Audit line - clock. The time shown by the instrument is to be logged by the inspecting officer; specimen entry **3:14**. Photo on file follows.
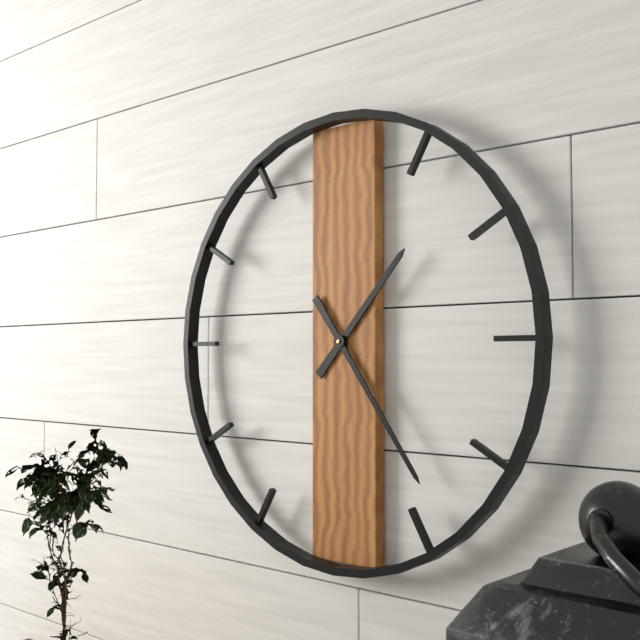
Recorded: **1:24**
